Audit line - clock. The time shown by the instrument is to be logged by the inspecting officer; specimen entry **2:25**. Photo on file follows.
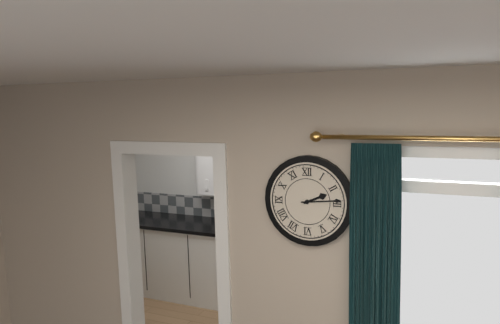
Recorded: **2:14**
